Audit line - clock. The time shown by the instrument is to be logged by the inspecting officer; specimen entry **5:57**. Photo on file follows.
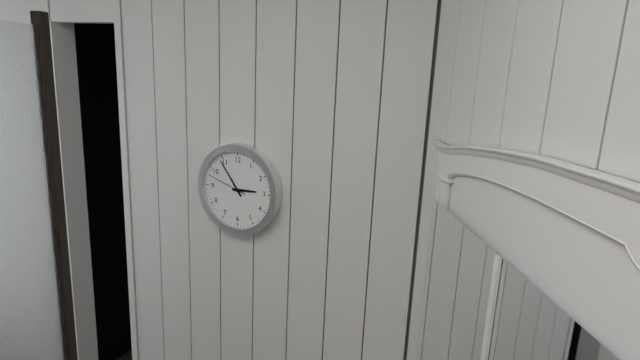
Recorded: **2:54**
